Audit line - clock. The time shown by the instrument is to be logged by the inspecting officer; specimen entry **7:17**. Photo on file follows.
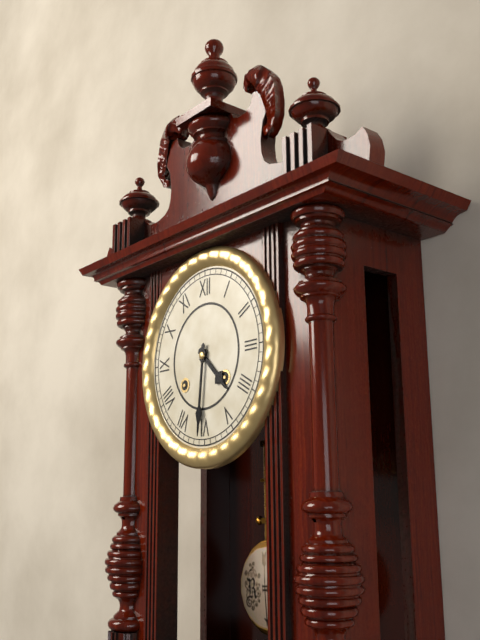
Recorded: **4:31**
